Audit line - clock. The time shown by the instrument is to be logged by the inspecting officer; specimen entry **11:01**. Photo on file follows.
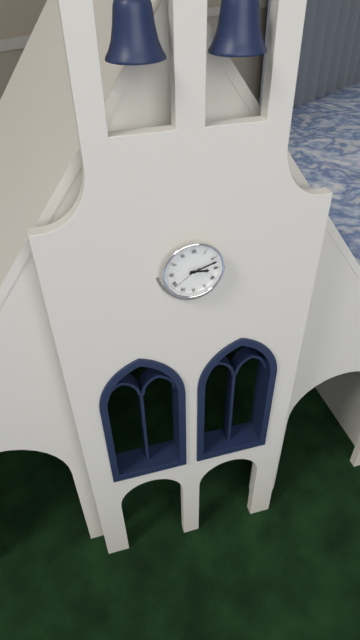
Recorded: **3:12**
